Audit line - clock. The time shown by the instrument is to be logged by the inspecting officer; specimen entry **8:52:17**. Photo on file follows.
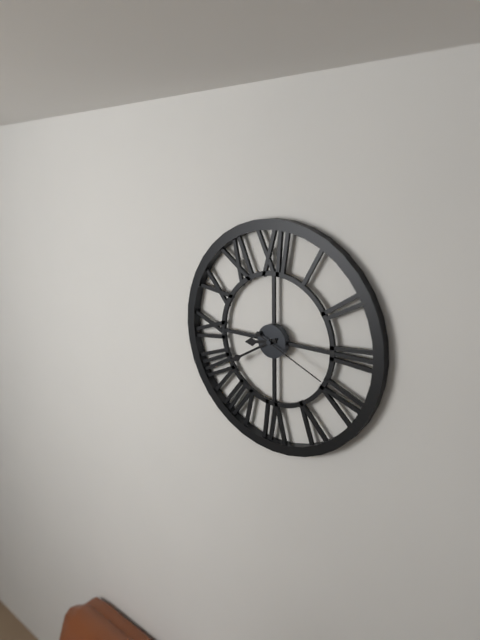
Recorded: **8:40:19**
